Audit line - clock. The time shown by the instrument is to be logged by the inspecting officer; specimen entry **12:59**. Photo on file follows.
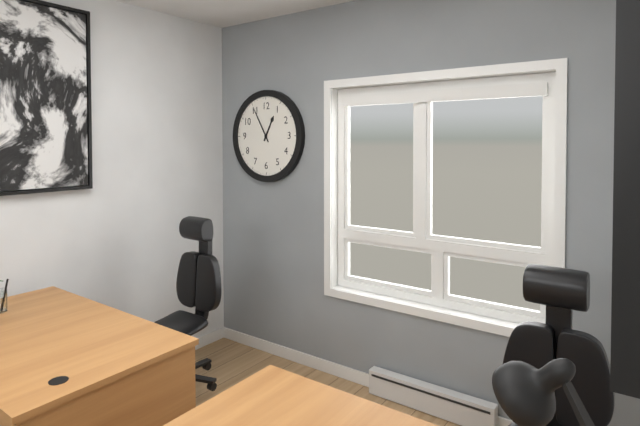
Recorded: **12:55**
